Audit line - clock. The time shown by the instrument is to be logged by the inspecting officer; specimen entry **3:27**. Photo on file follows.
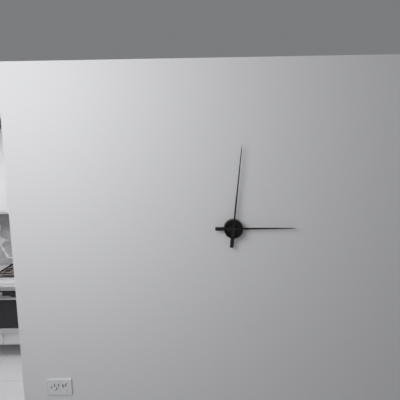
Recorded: **3:01**
